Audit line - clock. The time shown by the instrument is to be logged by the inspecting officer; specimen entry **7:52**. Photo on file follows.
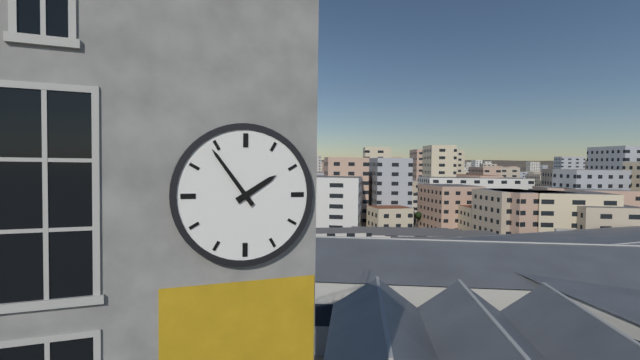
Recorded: **1:54**
